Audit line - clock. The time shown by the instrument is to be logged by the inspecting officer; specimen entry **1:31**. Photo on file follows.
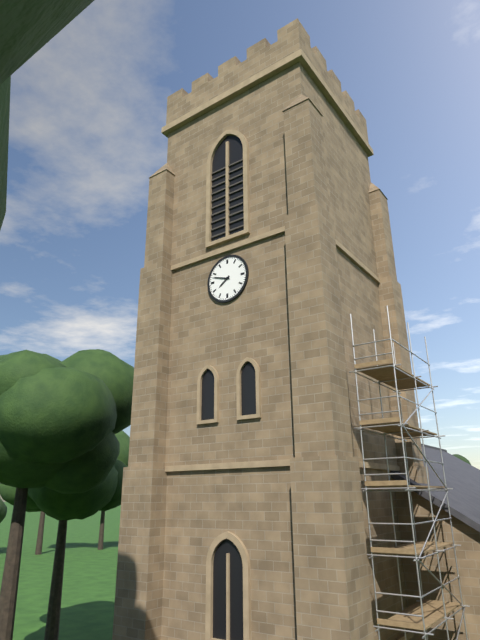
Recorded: **7:48**
